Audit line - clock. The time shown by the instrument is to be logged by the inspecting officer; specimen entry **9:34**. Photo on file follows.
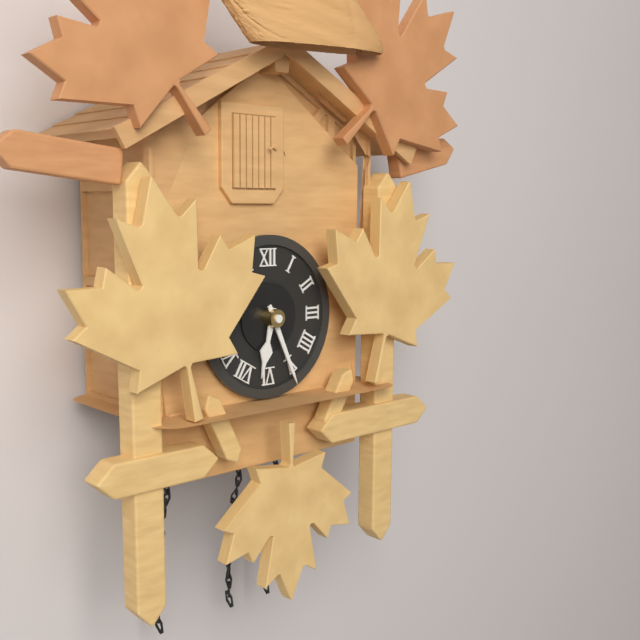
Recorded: **6:26**
